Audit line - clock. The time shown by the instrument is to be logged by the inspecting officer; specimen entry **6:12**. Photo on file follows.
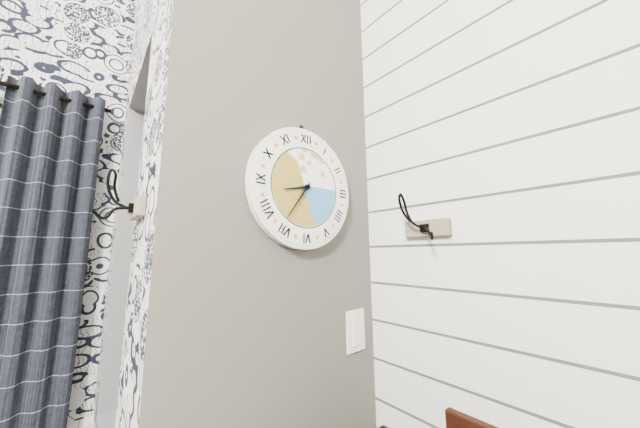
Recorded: **8:36**
